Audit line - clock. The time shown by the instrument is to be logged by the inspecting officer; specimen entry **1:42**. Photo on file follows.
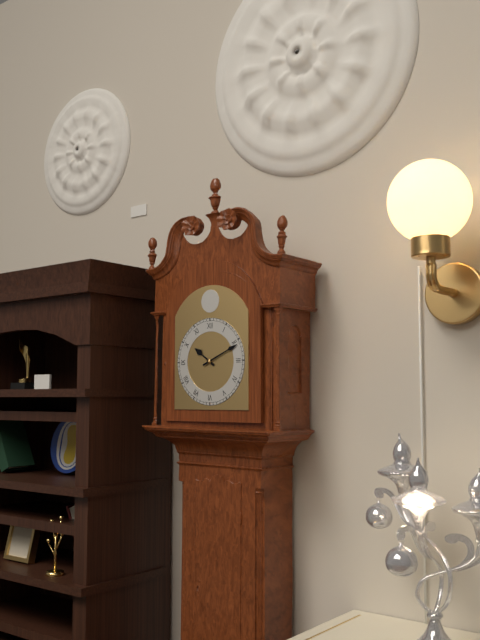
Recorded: **10:11**
